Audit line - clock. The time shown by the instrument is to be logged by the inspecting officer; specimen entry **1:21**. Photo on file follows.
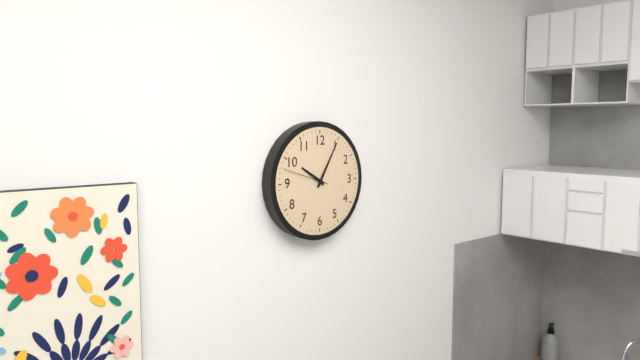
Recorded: **10:05**
